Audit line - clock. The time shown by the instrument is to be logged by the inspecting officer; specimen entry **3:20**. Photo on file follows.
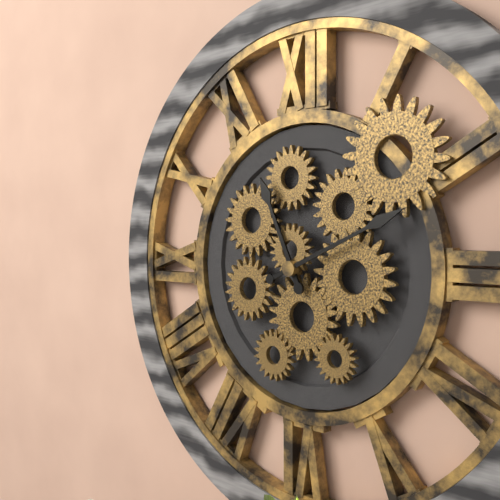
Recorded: **11:11**
